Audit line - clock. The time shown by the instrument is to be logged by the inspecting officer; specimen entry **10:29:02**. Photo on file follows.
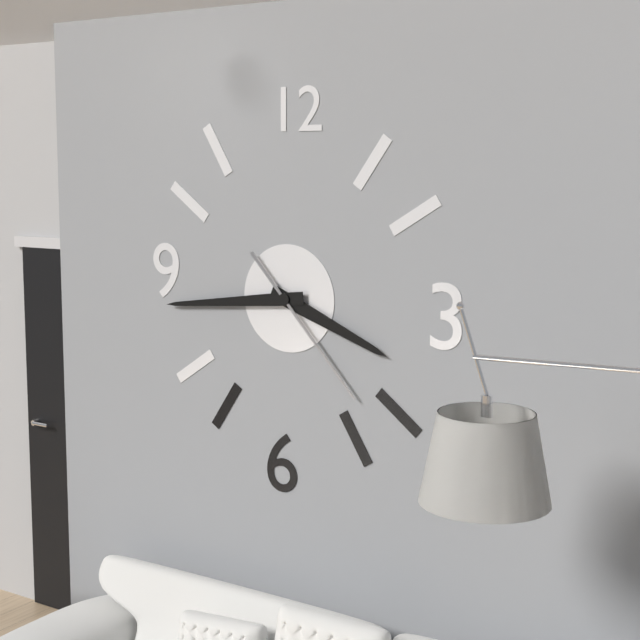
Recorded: **3:44:23**
